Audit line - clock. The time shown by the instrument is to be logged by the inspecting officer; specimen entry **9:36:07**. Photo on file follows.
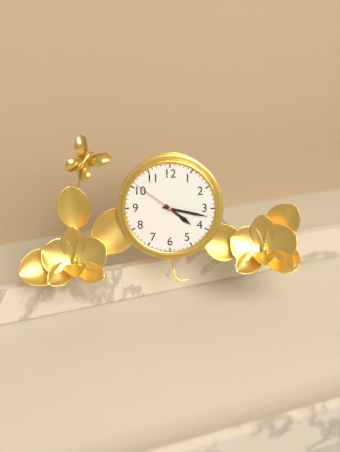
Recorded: **4:17:51**
